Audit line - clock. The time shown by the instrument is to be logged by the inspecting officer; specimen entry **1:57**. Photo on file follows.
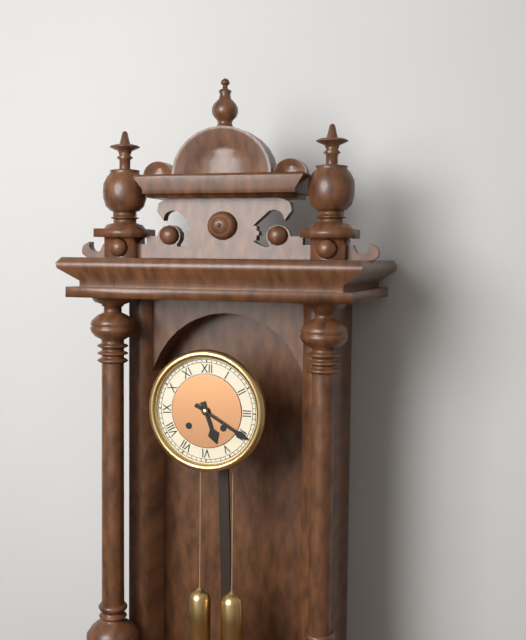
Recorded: **5:20**
